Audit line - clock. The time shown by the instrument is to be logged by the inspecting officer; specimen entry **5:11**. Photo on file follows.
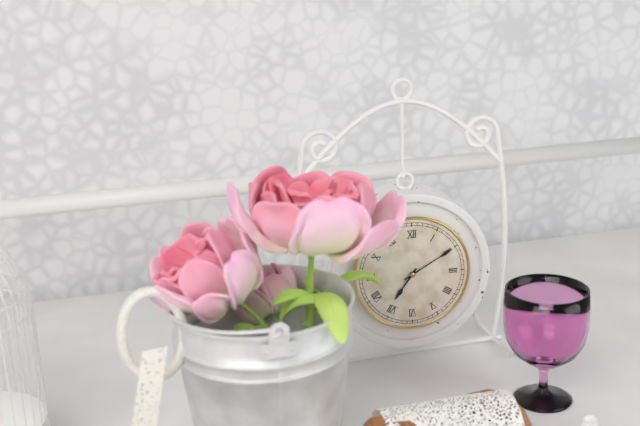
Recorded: **7:10**
